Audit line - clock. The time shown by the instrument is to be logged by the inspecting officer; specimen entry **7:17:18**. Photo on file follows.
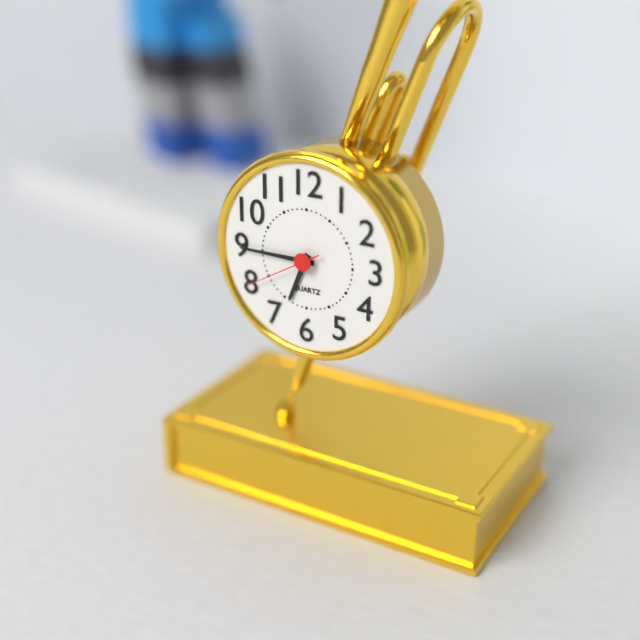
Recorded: **6:45:40**
